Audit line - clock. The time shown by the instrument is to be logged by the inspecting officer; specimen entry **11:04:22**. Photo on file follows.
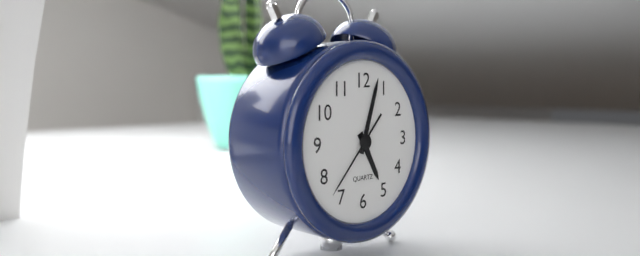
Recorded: **5:03:37**
